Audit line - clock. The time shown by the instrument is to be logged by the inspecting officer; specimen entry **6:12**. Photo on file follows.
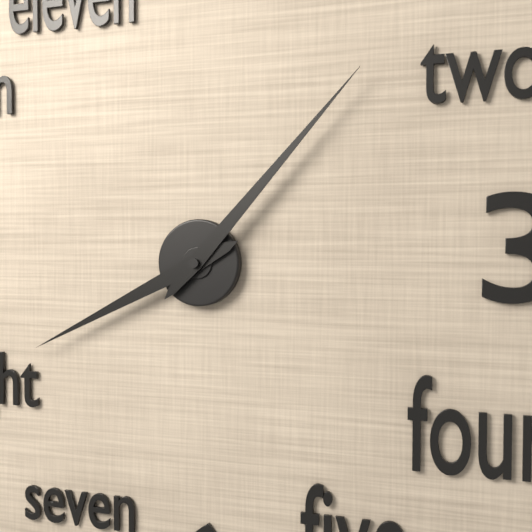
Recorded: **8:07**
